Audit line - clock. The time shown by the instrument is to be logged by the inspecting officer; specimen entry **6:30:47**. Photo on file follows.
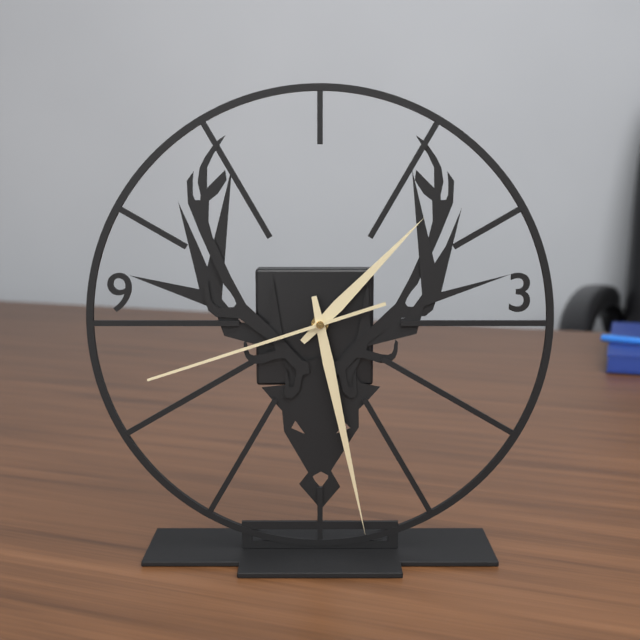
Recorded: **1:28:42**
